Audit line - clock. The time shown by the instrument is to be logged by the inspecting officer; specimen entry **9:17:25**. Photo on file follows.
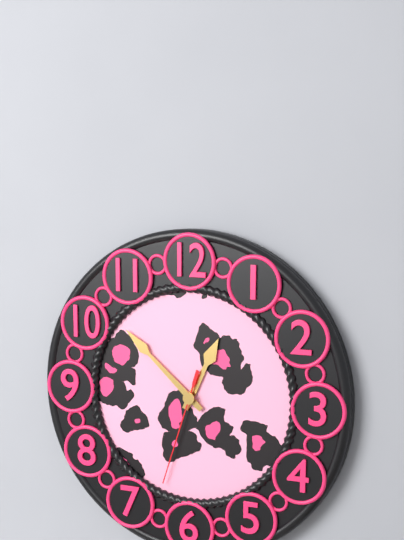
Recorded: **12:52:33**
